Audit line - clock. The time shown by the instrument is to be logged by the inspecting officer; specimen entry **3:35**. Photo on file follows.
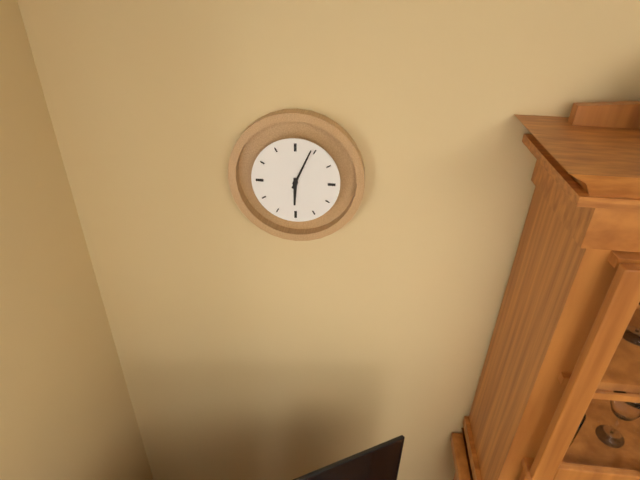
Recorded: **6:04**
